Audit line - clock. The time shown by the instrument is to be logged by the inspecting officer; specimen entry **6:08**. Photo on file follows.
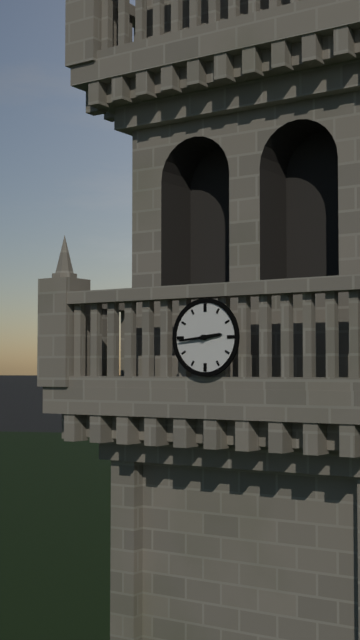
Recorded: **2:44**
